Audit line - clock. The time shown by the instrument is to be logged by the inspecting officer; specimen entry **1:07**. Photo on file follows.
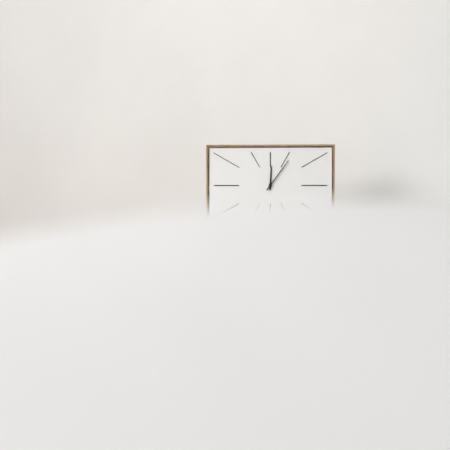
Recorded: **12:06**
